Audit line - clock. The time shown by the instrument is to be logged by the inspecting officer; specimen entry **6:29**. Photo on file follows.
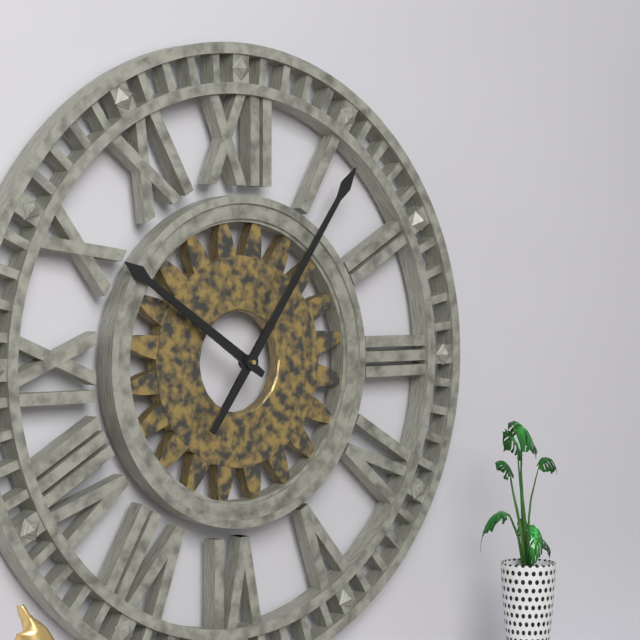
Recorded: **10:06**
